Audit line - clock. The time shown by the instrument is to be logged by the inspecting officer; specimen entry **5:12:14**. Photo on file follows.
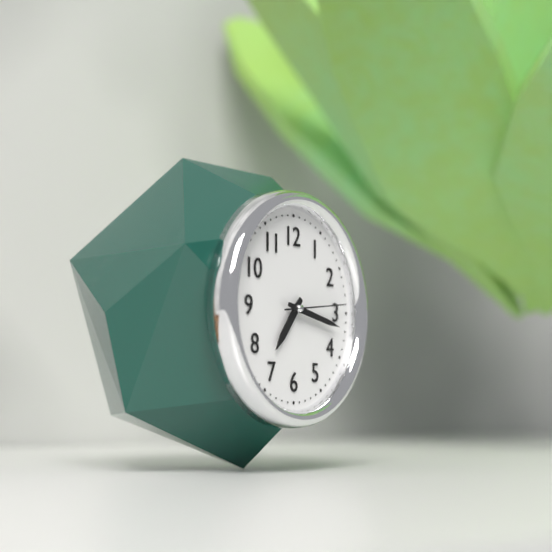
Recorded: **7:17:14**
